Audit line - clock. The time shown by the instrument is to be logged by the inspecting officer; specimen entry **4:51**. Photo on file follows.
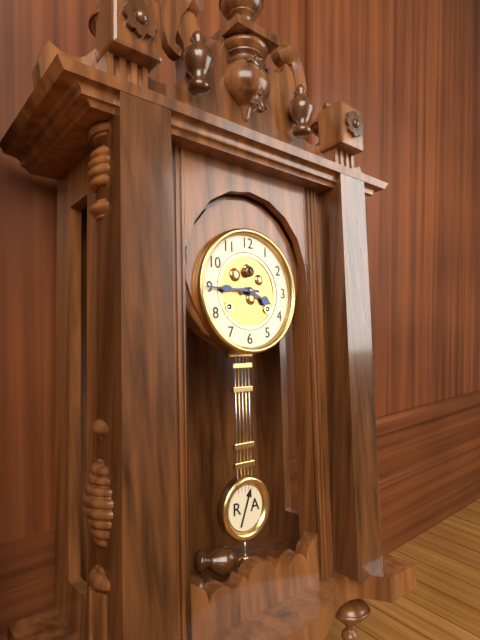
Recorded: **3:45**
